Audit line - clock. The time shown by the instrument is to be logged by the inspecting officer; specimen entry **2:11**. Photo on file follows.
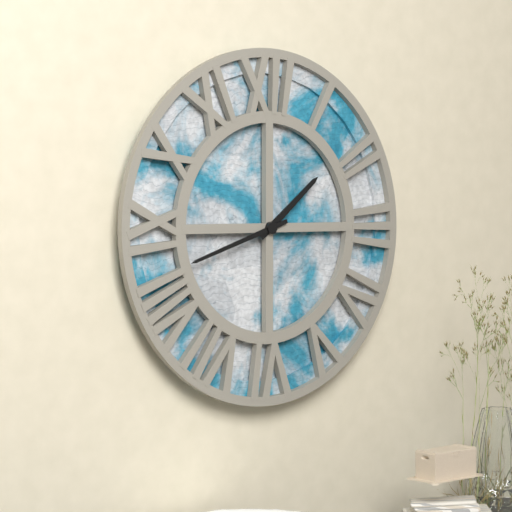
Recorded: **1:42**
